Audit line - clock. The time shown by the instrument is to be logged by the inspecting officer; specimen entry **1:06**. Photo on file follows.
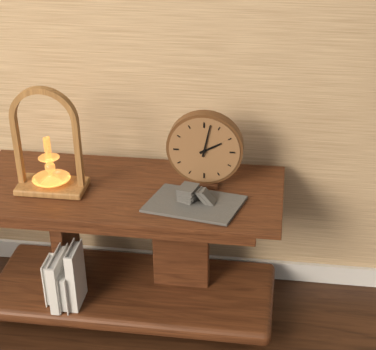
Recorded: **2:02**
